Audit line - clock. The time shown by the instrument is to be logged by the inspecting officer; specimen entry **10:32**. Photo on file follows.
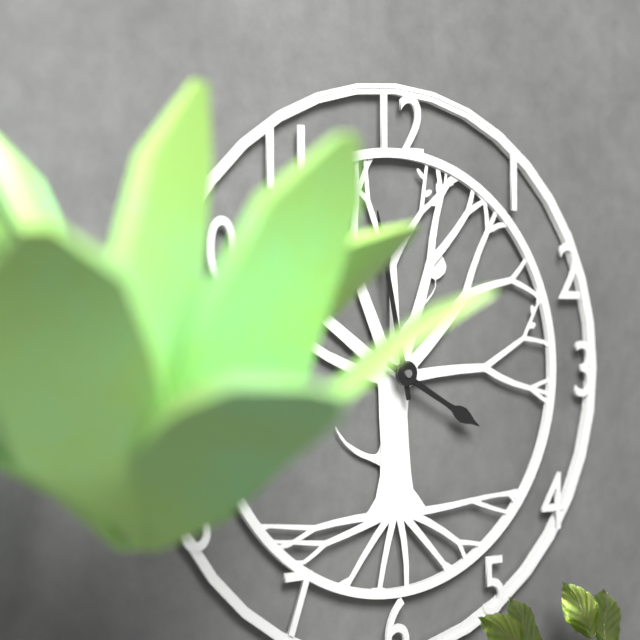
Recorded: **3:58**
